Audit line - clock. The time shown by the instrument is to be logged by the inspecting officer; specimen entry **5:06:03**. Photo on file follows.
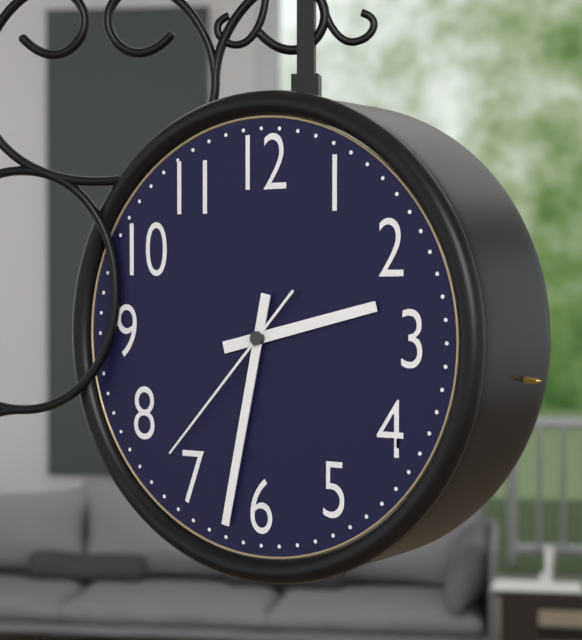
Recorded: **2:32:37**
